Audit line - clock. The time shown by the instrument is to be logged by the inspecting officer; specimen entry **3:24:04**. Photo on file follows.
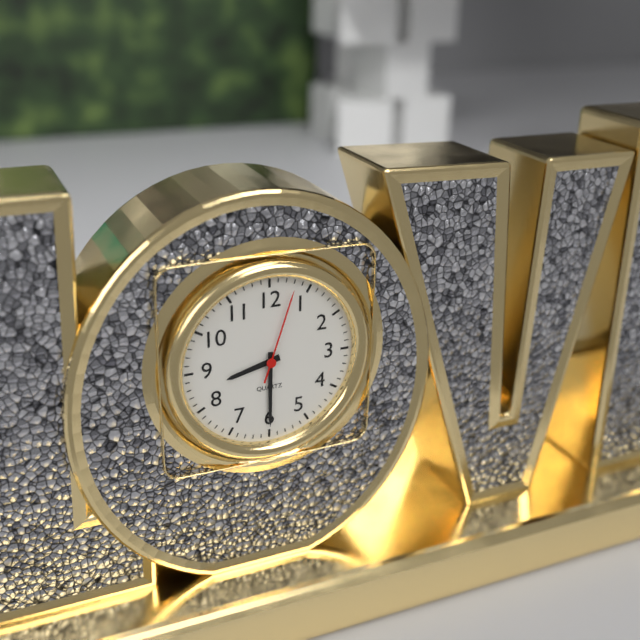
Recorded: **8:30:03**
